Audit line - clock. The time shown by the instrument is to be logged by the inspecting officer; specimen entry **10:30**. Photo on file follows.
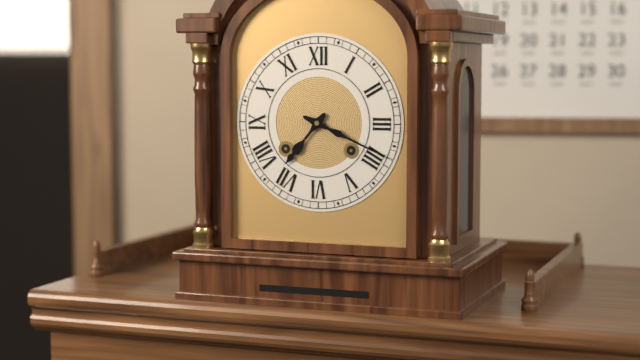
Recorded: **7:19**
